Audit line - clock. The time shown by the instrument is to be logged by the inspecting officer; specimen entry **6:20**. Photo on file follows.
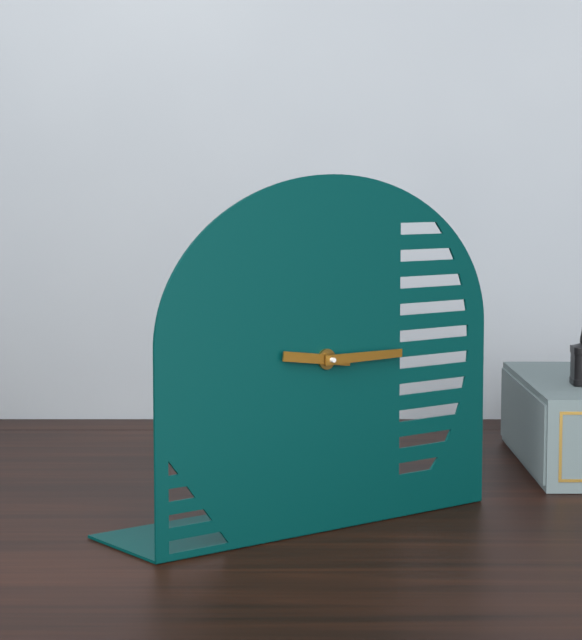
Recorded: **9:15**
